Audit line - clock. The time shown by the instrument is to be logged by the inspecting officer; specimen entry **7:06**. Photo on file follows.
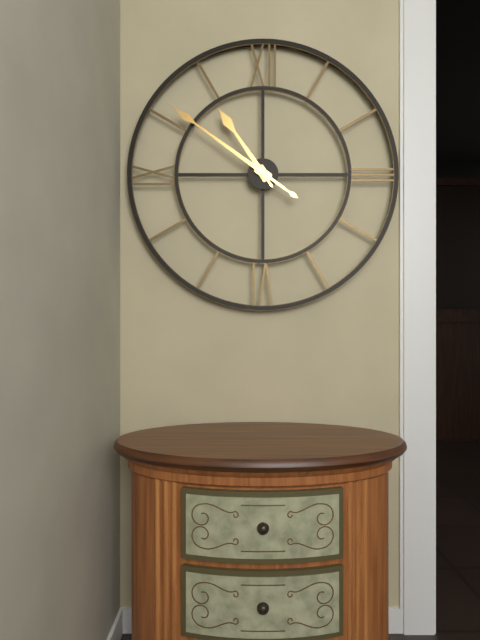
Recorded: **10:51**
